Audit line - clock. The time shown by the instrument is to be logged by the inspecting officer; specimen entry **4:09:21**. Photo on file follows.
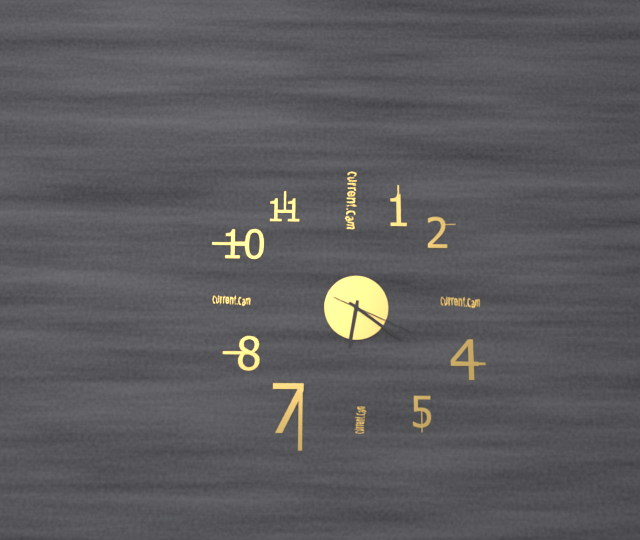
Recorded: **6:21:19**
